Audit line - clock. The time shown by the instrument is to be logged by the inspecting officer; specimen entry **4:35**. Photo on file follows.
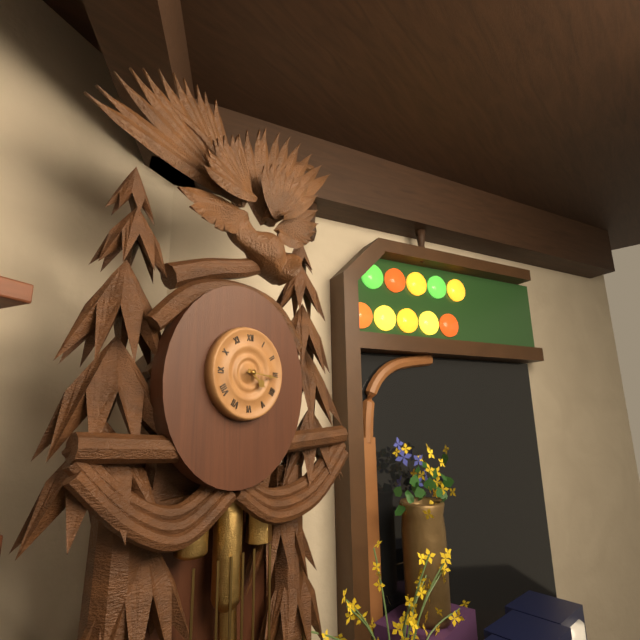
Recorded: **4:16**
